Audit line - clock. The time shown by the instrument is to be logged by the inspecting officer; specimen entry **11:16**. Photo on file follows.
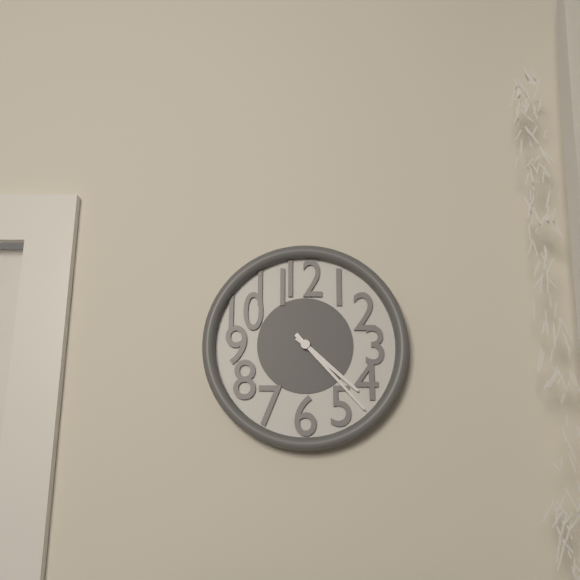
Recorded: **4:23**
